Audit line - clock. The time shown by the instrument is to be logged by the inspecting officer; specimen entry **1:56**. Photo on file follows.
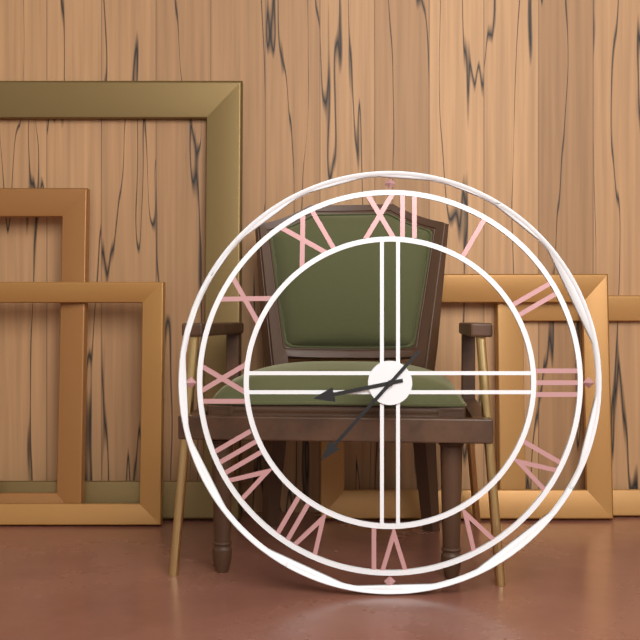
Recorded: **8:37**
